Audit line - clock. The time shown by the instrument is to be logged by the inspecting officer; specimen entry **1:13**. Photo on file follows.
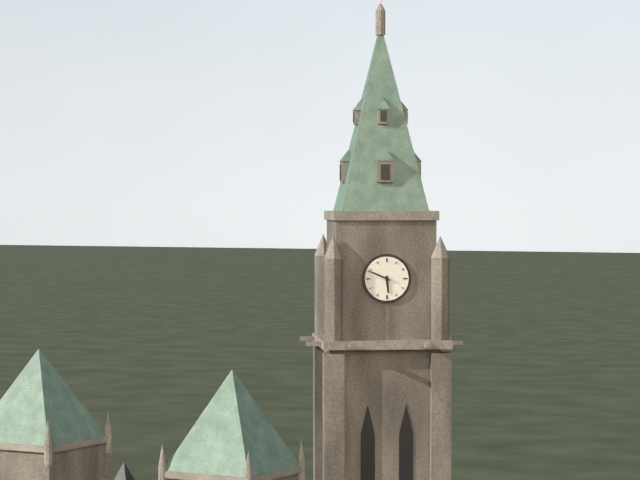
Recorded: **5:49**
